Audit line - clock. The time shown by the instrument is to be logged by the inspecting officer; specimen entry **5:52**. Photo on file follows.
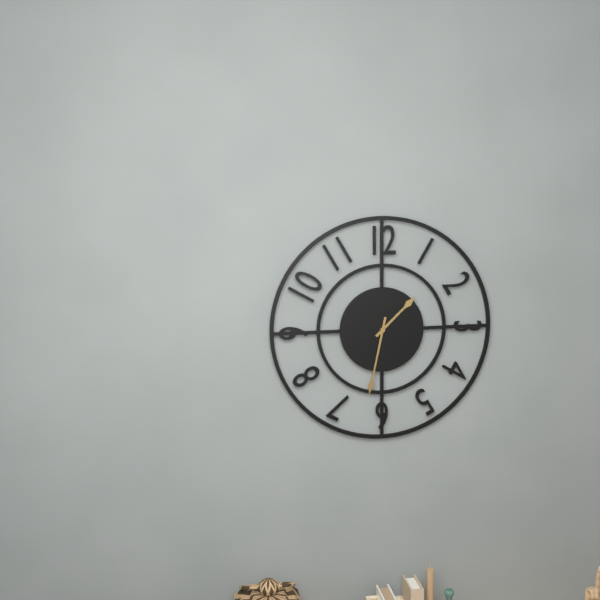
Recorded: **1:32**
